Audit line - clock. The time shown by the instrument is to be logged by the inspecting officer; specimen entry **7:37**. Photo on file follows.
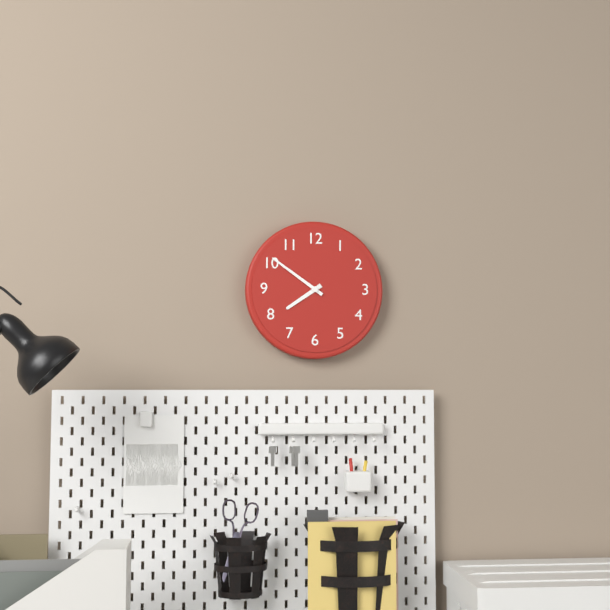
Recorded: **7:51**
